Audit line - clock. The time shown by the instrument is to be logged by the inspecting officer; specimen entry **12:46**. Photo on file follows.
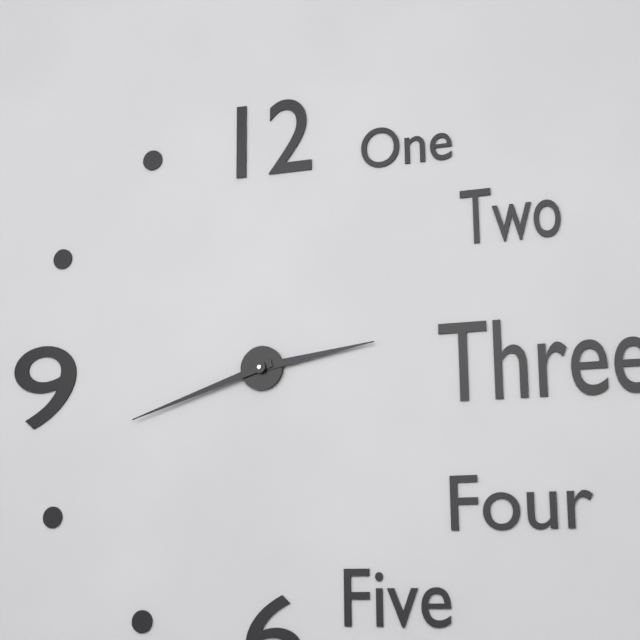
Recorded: **2:42**
